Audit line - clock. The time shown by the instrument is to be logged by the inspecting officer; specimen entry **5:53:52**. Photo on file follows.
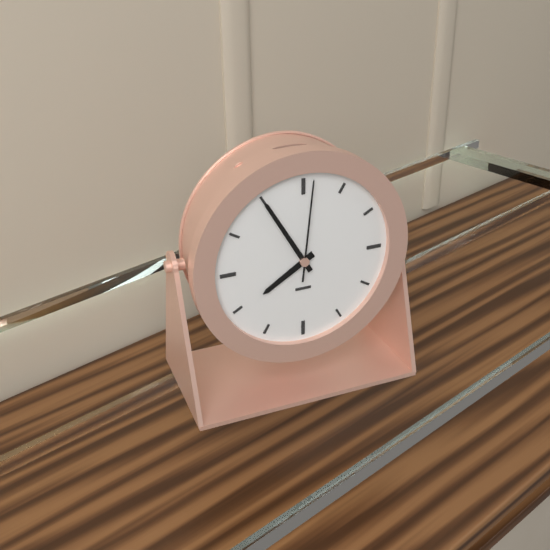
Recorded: **7:55:01**
